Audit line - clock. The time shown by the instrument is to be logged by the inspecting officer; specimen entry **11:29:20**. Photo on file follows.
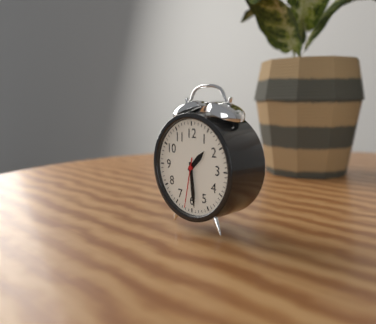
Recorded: **1:29:32**
